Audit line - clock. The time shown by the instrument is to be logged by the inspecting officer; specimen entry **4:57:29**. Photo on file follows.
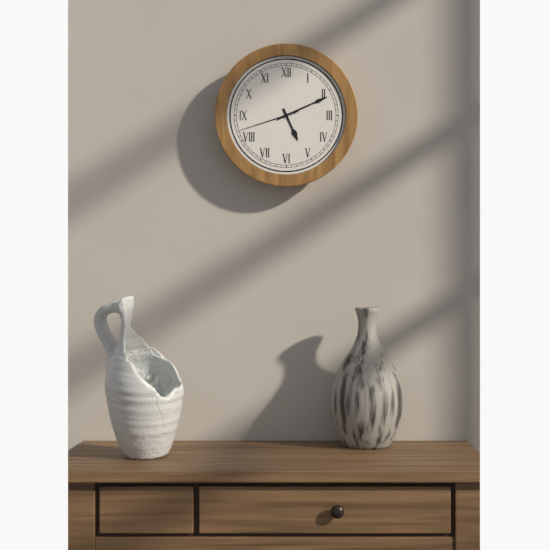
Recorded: **5:11:42**
